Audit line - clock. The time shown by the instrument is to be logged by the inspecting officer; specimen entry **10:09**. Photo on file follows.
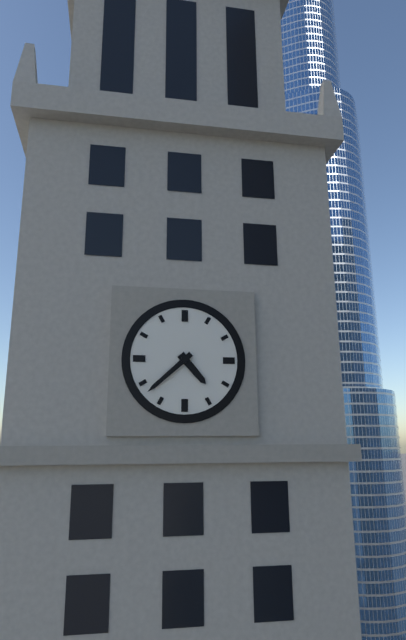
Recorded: **4:38**
